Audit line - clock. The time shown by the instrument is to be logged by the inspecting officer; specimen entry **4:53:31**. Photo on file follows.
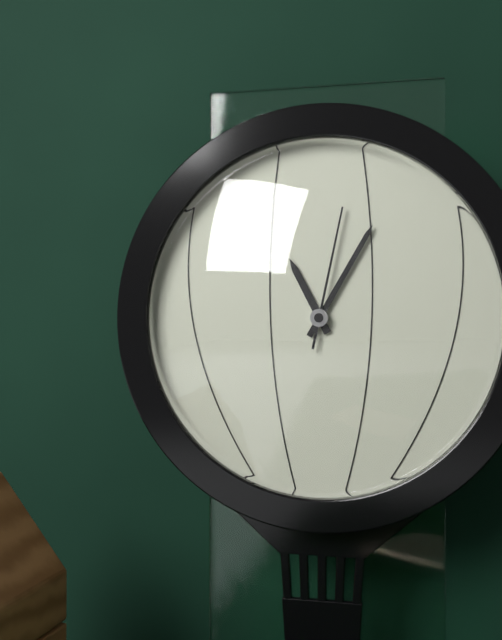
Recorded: **11:05:02**
